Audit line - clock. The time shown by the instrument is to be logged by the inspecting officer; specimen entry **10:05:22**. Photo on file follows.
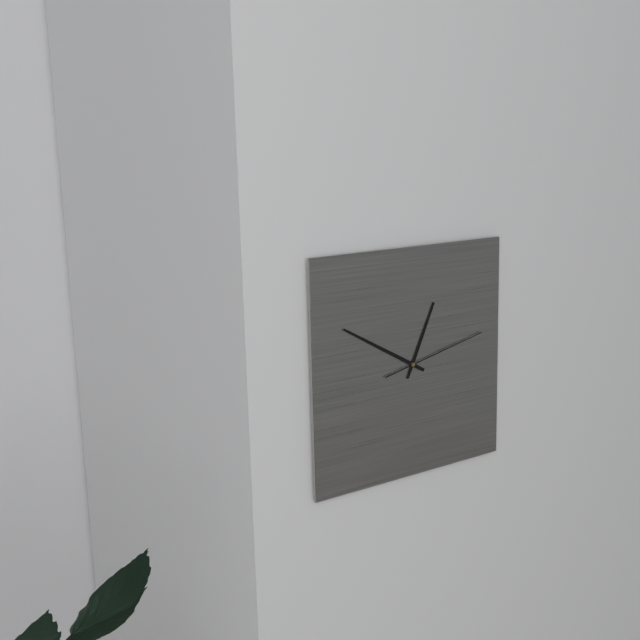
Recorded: **12:50:13**
